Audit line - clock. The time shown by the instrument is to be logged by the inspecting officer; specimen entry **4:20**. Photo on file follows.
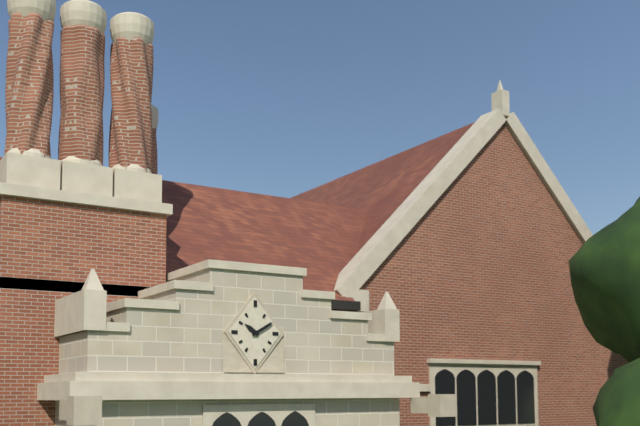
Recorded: **10:10**
